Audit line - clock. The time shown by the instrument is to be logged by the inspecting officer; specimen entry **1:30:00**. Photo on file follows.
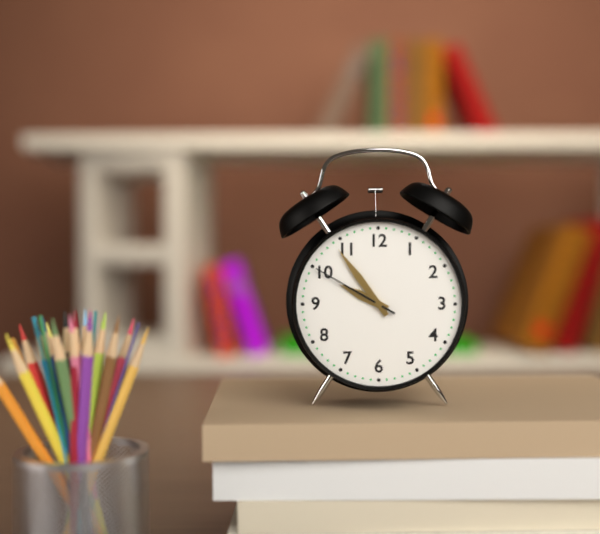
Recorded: **9:54:50**
